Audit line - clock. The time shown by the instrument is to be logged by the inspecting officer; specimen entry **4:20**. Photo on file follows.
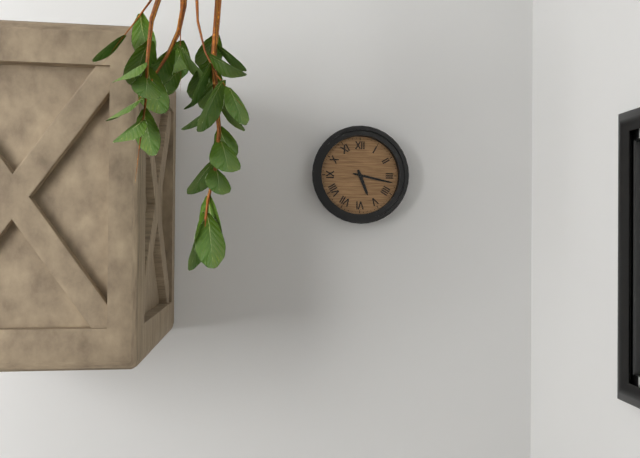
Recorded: **5:17**
